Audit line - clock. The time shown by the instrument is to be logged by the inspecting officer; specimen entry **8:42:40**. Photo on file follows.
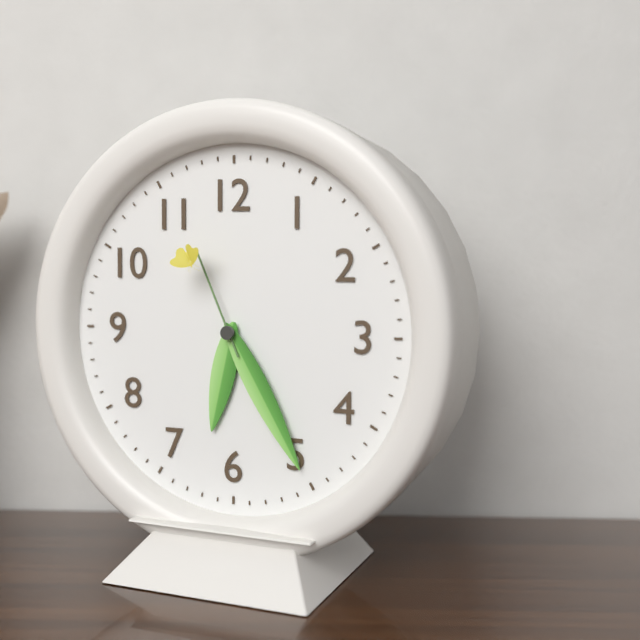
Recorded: **6:25:56**
